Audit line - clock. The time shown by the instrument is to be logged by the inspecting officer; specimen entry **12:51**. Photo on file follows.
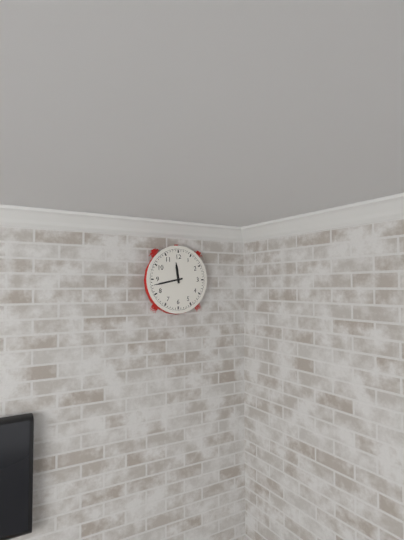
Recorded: **11:43**
